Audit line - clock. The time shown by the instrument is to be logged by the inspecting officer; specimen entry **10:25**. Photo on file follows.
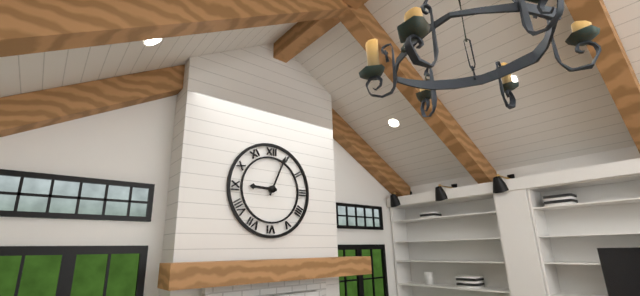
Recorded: **9:04**
